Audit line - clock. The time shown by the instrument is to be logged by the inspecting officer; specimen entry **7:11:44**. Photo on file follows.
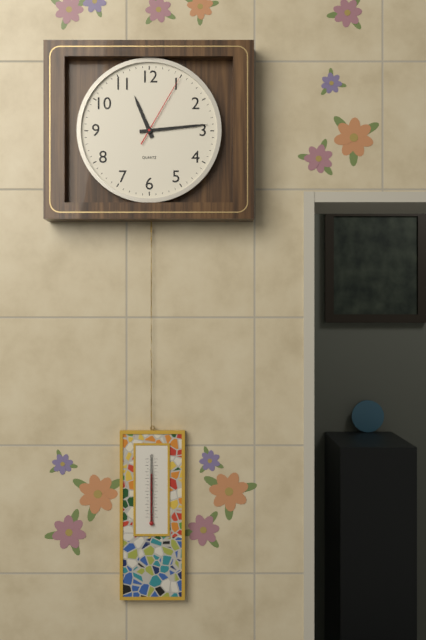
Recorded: **11:14:05**
